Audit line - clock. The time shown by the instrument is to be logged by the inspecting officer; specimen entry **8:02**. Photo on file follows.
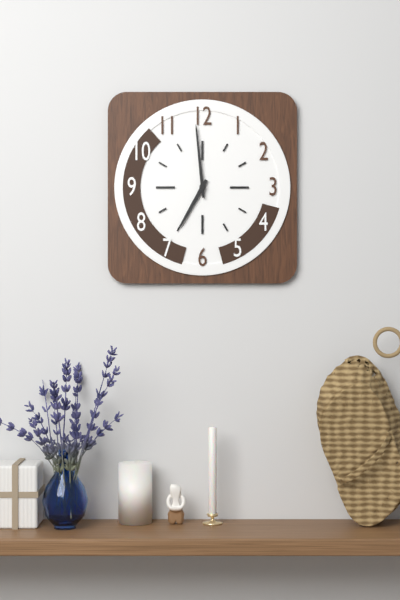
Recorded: **6:59**
